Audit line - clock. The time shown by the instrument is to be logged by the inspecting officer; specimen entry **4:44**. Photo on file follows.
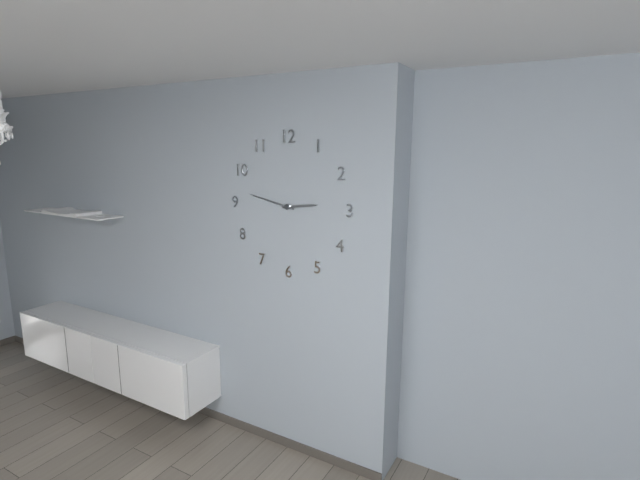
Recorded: **2:47**
